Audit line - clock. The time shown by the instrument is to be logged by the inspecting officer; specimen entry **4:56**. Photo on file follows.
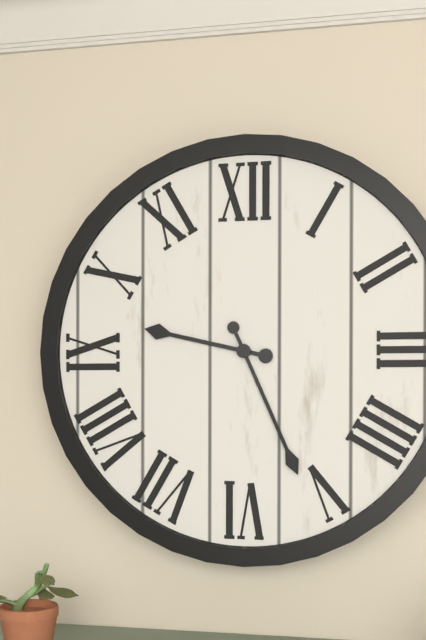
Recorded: **9:26**
